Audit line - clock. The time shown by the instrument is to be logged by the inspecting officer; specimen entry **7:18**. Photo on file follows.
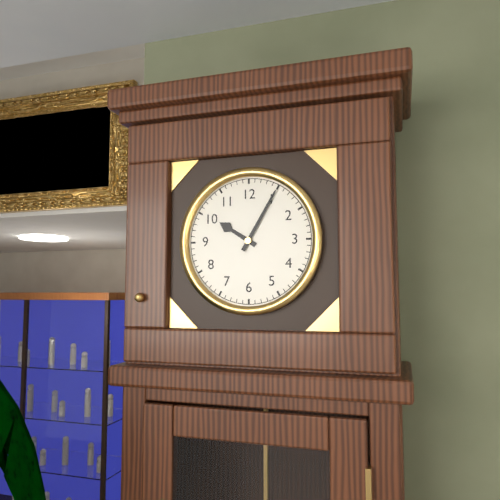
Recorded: **10:05**
